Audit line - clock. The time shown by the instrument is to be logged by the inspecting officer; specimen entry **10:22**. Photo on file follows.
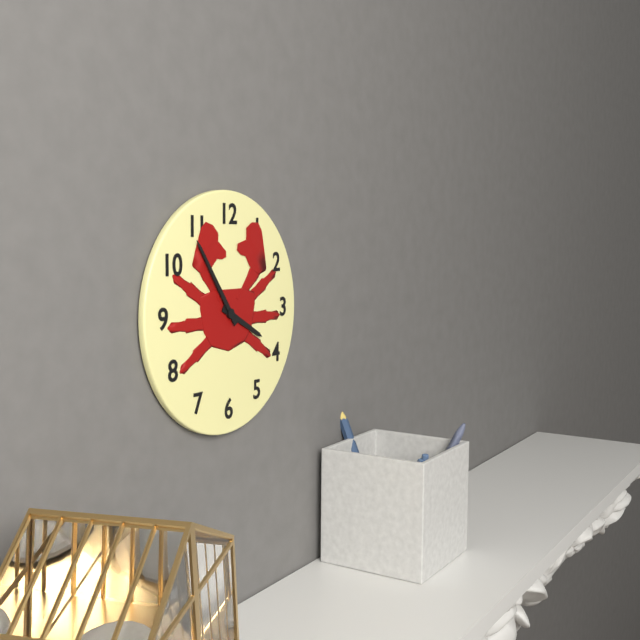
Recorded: **3:54**
